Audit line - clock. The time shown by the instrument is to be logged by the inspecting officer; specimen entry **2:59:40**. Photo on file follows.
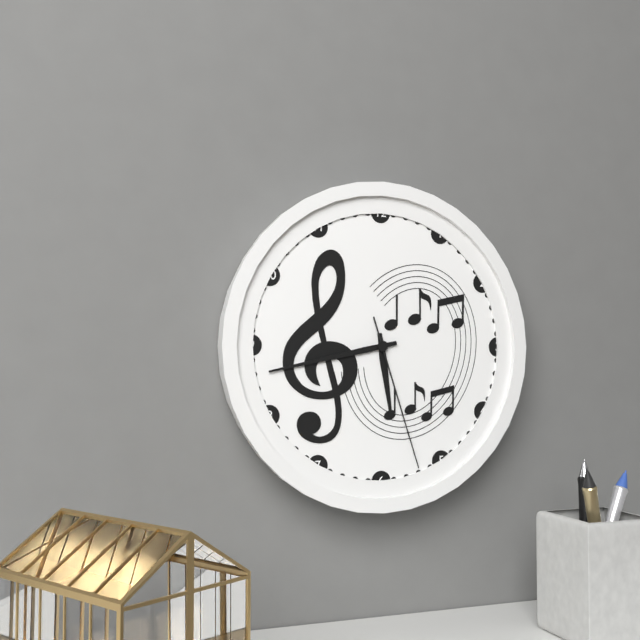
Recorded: **5:43:27**
